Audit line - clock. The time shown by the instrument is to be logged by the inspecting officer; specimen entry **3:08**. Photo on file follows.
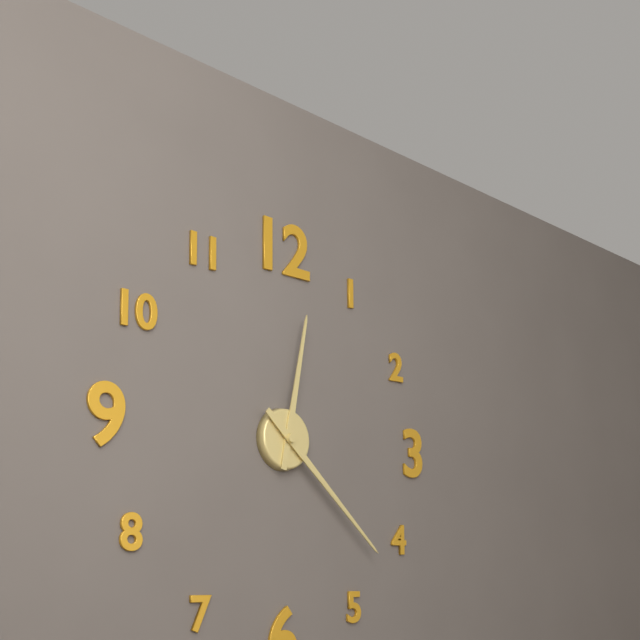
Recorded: **12:22**
